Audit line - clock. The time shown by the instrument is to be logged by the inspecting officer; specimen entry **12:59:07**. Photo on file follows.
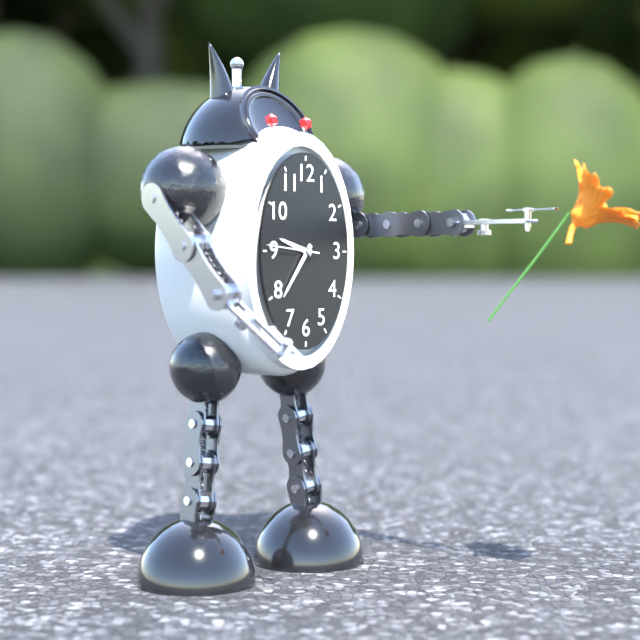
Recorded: **9:36:46**
